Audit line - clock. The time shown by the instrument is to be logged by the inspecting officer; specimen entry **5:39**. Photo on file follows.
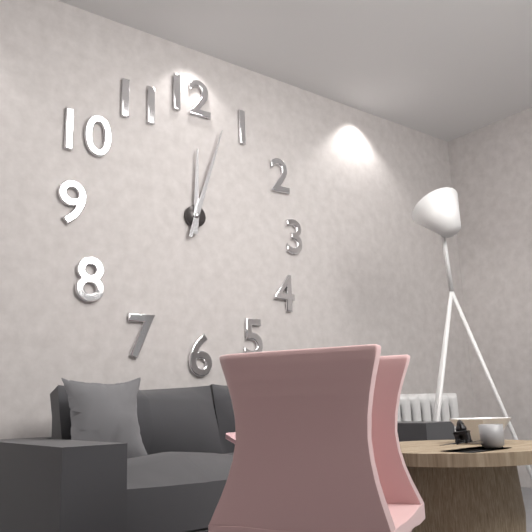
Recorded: **12:03**
